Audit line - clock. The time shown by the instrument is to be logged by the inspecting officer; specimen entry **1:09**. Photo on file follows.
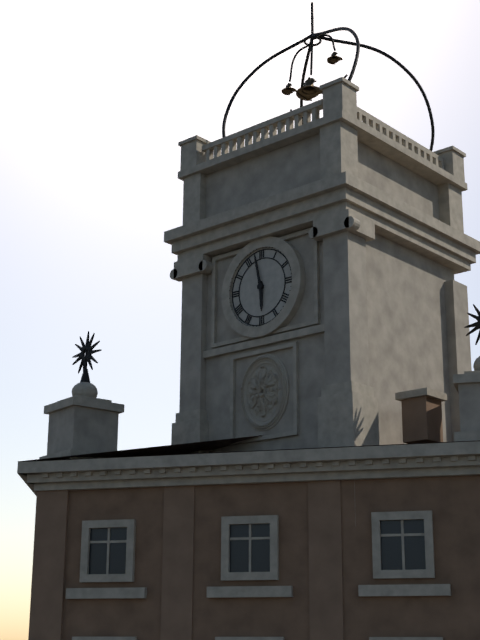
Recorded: **5:58**
